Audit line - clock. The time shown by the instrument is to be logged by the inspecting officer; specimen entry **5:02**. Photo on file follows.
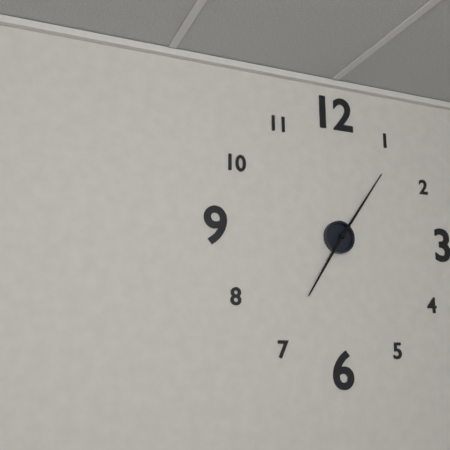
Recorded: **7:06**
